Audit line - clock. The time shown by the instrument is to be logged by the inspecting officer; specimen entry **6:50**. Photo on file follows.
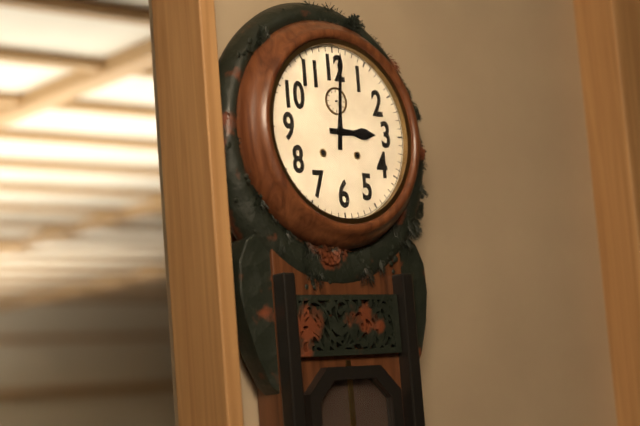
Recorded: **3:01**
